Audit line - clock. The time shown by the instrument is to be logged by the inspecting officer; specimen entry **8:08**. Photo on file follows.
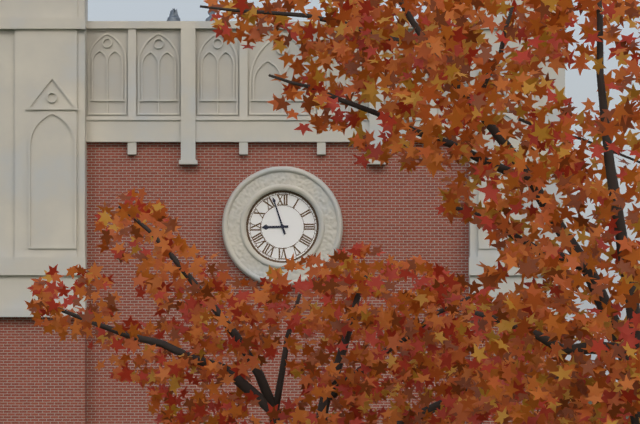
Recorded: **8:57**
